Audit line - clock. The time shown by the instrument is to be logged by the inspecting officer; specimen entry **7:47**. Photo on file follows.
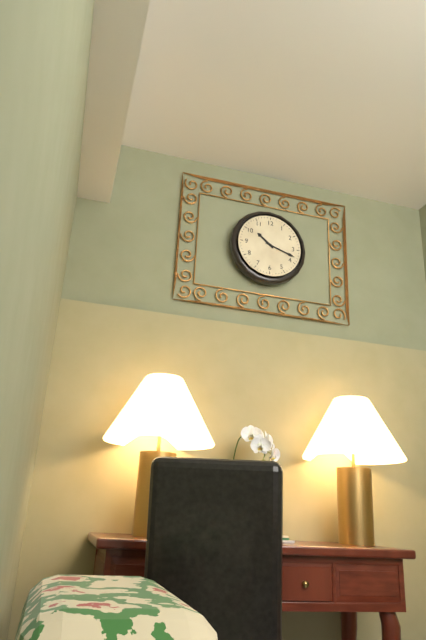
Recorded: **10:18**
